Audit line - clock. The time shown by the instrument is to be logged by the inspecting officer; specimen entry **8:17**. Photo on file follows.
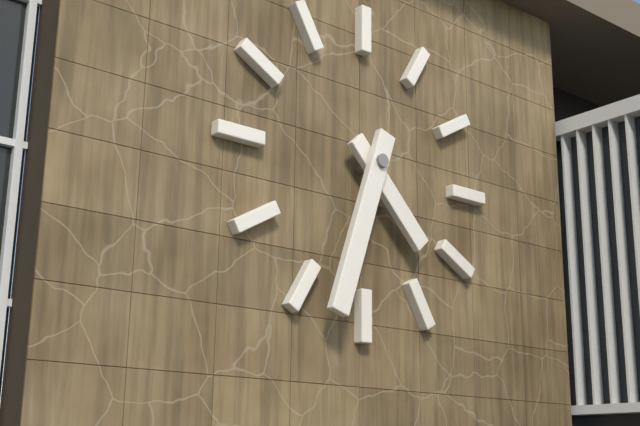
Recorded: **4:33**
